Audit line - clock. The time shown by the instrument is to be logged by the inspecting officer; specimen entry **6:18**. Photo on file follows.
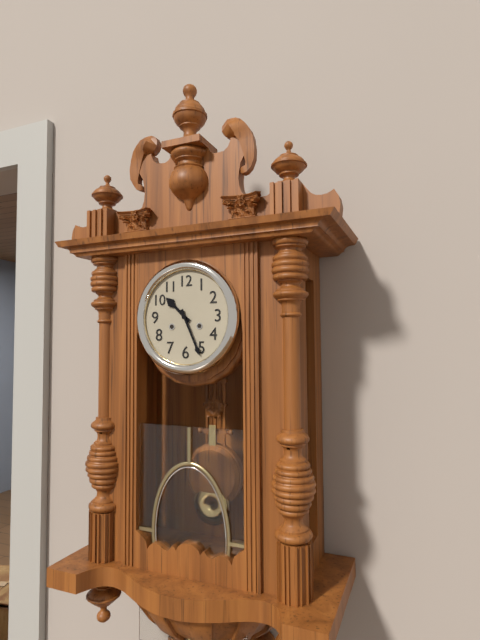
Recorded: **10:26**
